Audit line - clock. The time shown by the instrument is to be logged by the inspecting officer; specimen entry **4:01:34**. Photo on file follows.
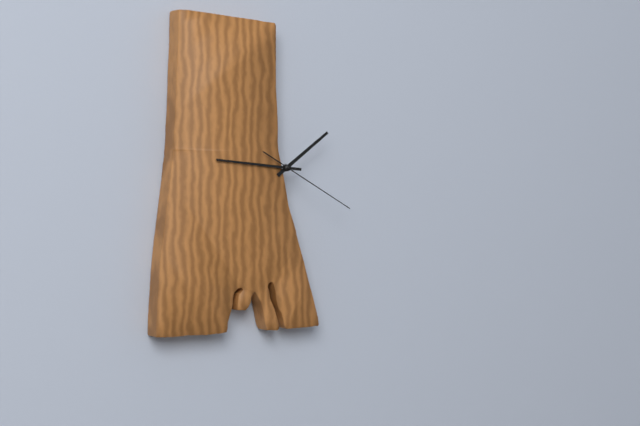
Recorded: **1:46:20**
